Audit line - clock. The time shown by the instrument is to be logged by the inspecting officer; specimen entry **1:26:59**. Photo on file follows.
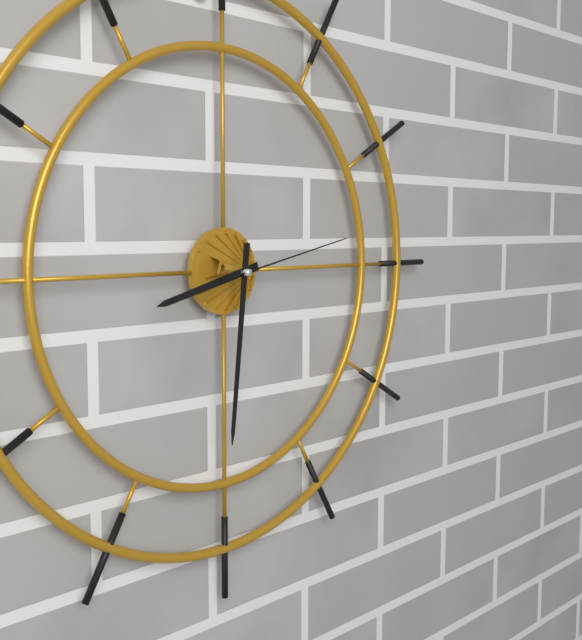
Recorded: **8:31:13**
